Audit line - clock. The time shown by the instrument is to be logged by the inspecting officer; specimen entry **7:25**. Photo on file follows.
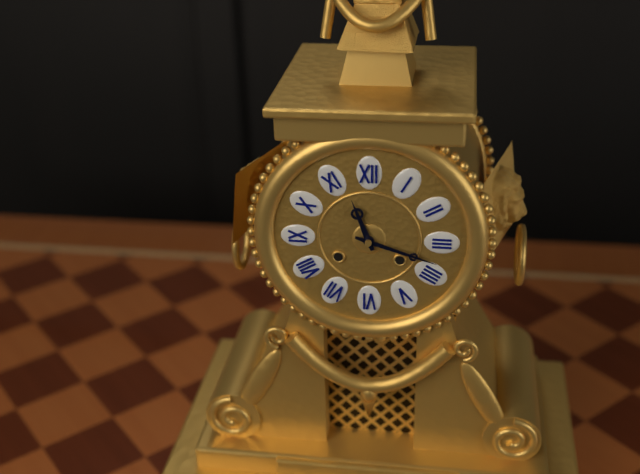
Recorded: **11:18**
